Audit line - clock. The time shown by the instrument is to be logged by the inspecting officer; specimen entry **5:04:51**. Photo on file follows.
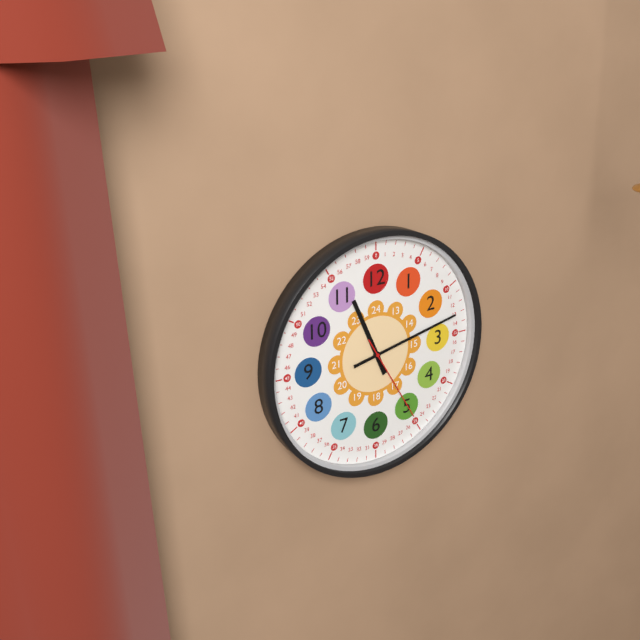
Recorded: **11:13:25**
